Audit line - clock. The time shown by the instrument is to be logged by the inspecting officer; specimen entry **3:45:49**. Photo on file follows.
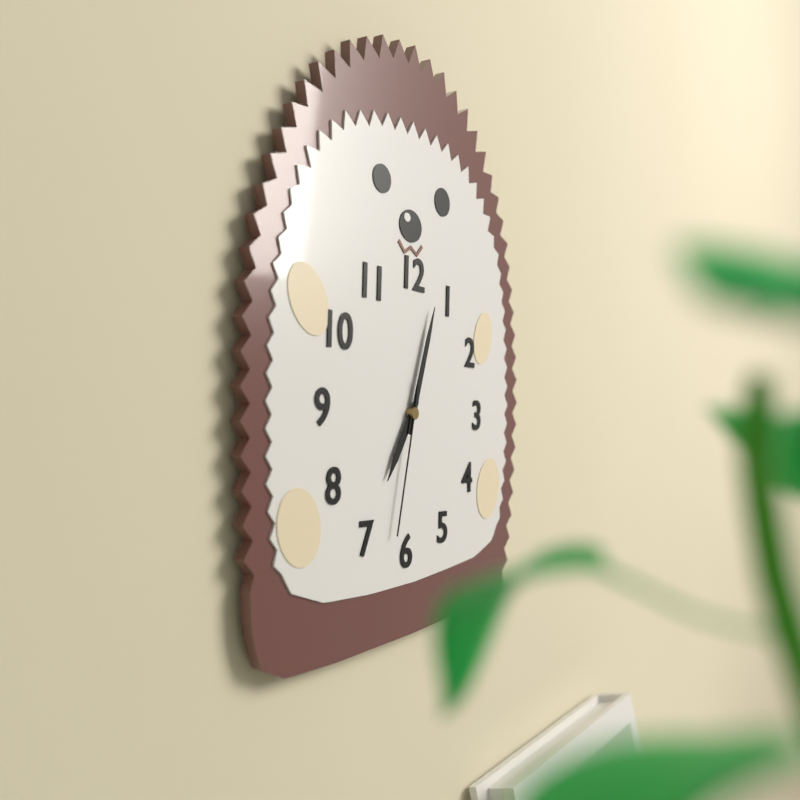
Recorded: **7:03:32**
